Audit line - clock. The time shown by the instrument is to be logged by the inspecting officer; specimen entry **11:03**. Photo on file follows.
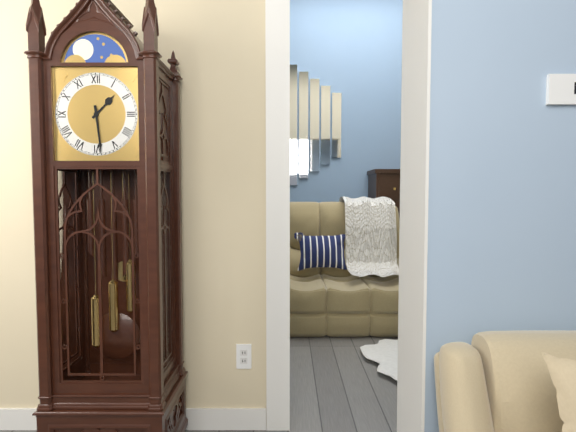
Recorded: **1:29**
